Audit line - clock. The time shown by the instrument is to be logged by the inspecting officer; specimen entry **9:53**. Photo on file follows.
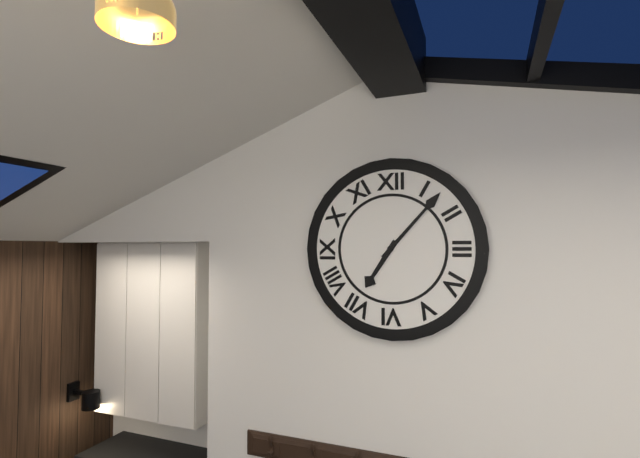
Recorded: **7:07**
